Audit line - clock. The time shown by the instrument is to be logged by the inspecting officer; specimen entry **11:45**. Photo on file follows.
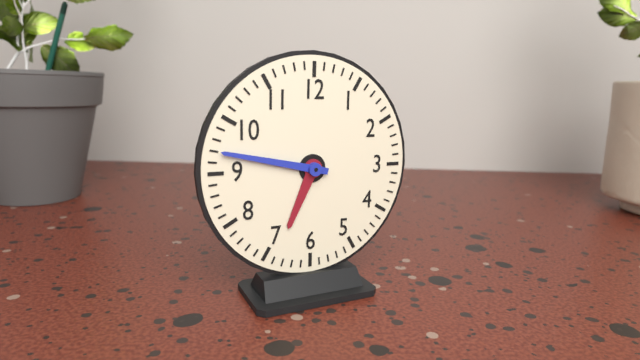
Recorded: **6:47**
